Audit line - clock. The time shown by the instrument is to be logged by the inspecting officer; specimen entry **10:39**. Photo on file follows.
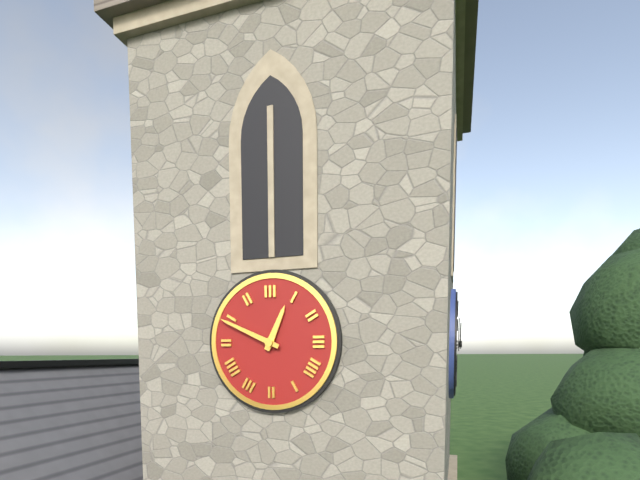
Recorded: **12:49**
